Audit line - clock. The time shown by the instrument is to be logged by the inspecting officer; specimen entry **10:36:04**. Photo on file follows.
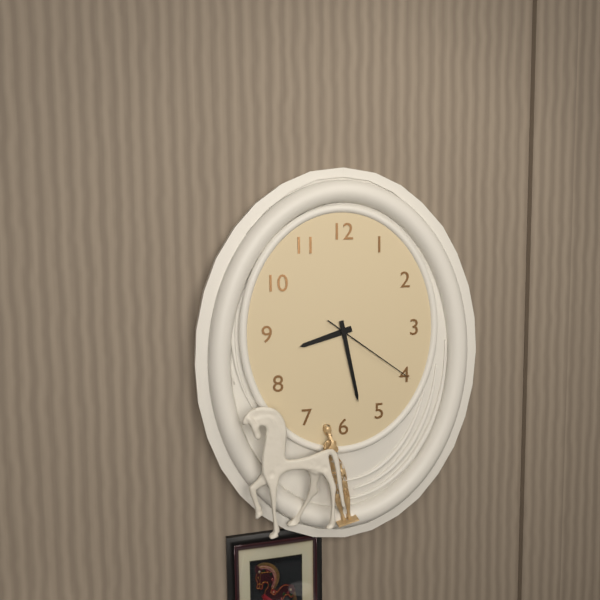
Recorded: **8:28:21**
